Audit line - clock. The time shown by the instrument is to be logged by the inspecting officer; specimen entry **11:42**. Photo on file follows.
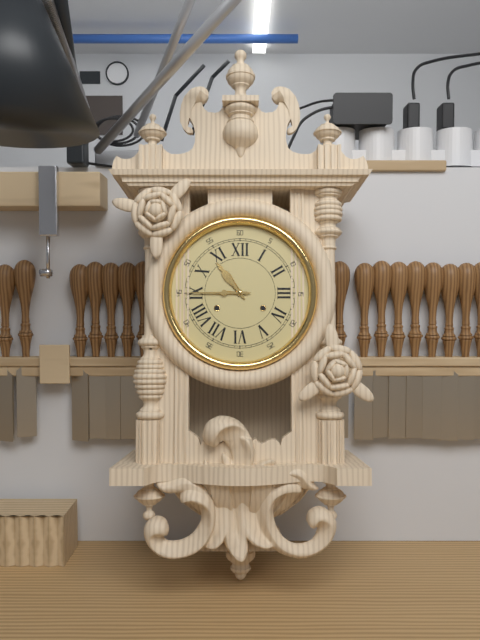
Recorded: **10:45**
